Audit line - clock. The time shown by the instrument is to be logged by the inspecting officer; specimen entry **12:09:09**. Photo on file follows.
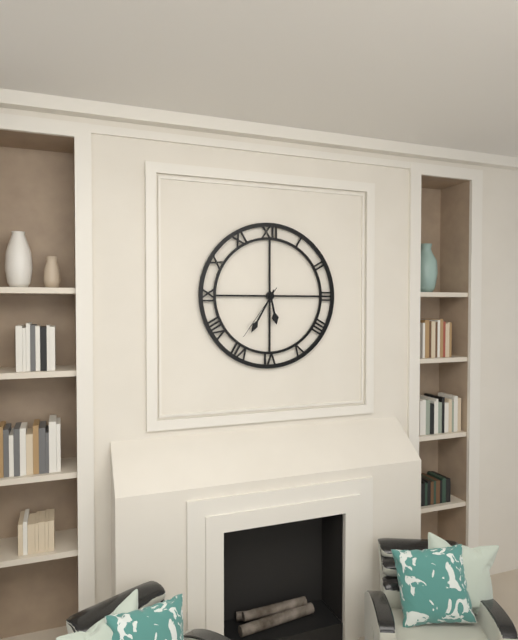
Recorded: **5:35:36**
